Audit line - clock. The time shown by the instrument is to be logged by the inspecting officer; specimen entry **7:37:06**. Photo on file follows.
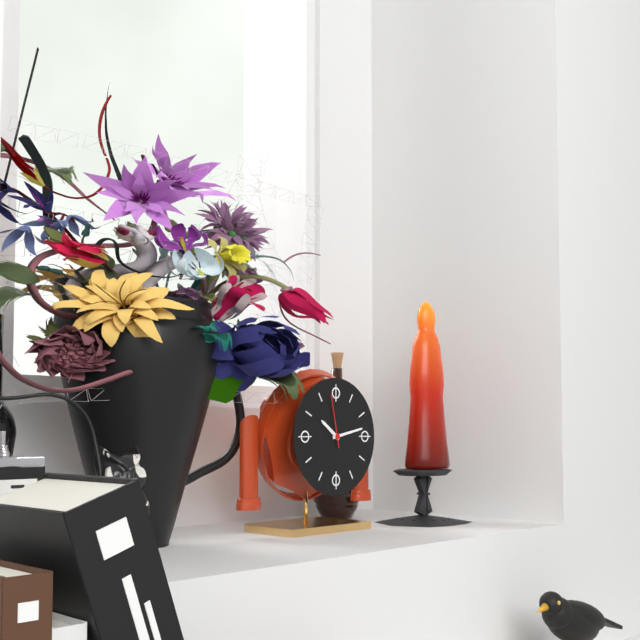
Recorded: **10:13:58**
